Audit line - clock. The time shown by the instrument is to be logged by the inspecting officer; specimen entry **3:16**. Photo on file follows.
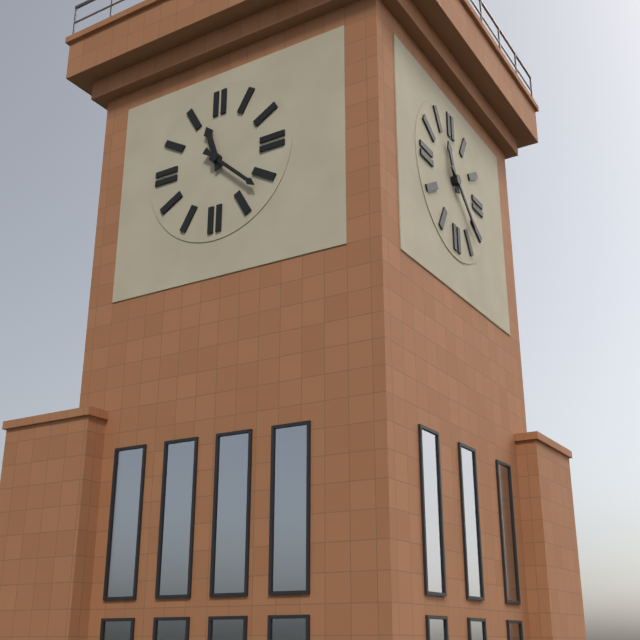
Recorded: **11:22**
